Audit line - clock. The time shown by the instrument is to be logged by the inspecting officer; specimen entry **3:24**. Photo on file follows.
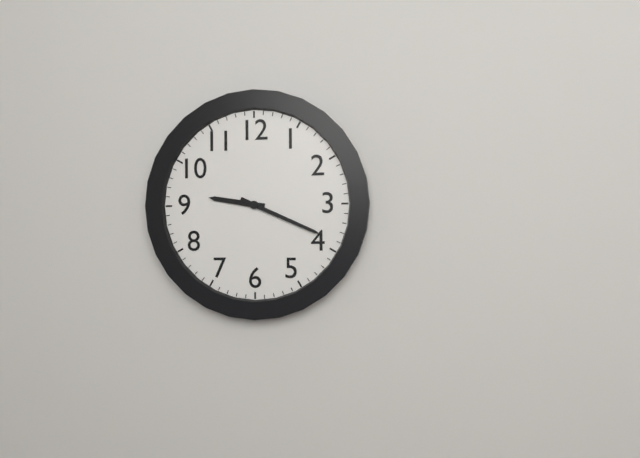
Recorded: **9:19**
